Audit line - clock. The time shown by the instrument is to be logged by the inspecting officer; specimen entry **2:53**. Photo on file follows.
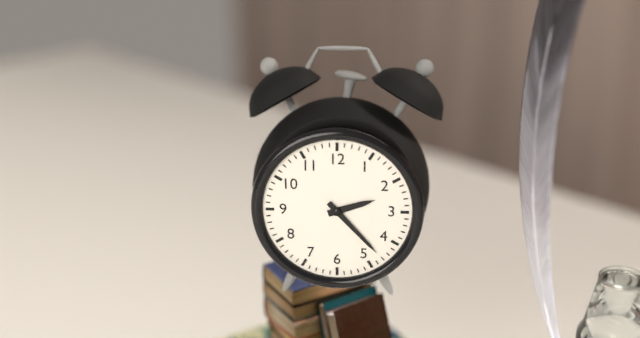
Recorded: **2:23**
